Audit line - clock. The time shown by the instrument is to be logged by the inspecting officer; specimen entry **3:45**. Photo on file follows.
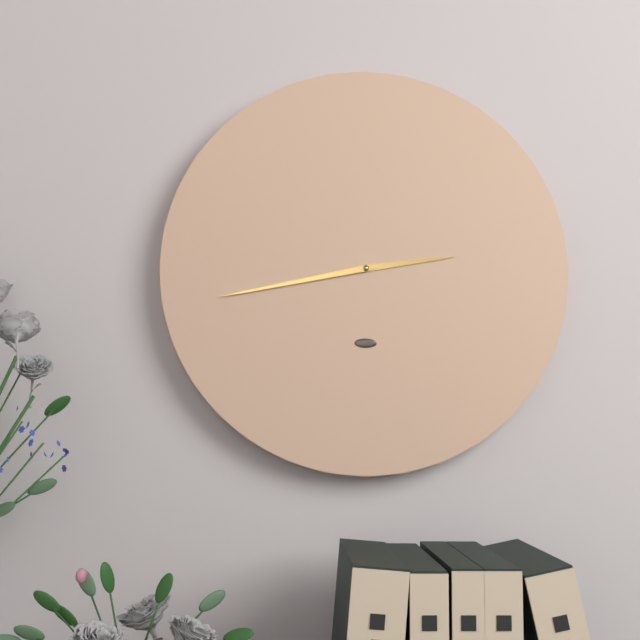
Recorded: **2:43**
